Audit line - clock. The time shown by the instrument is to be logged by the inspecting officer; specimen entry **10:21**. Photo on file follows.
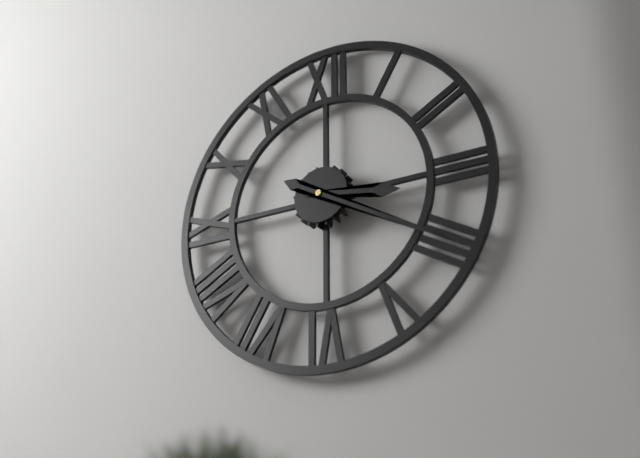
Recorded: **3:20**
